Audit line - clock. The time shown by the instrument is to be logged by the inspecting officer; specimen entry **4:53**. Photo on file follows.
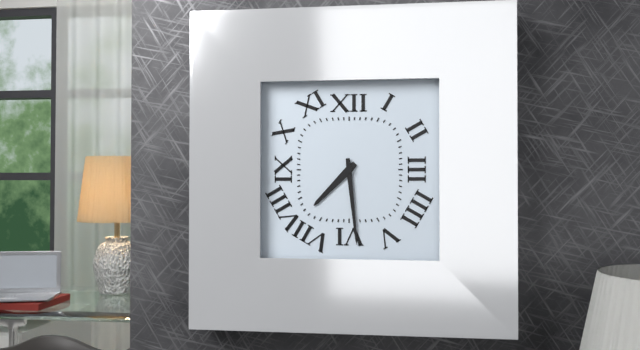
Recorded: **7:29**
